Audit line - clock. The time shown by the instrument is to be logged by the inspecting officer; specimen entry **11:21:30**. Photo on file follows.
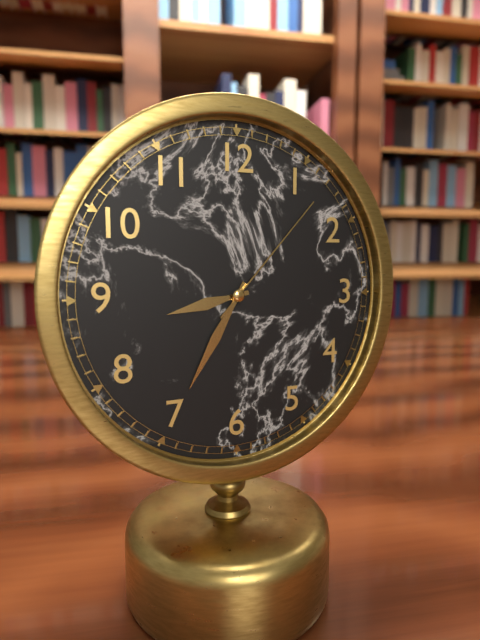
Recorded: **8:35:07**
